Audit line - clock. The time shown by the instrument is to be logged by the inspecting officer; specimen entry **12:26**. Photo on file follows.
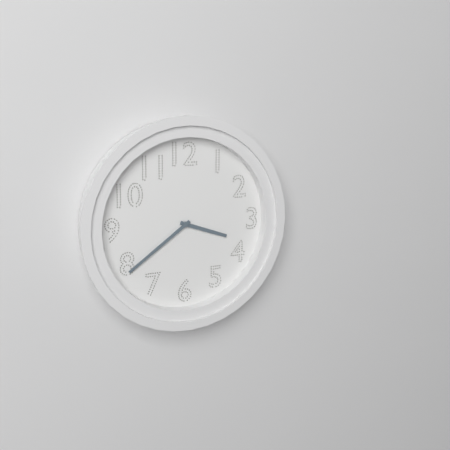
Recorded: **3:39**
